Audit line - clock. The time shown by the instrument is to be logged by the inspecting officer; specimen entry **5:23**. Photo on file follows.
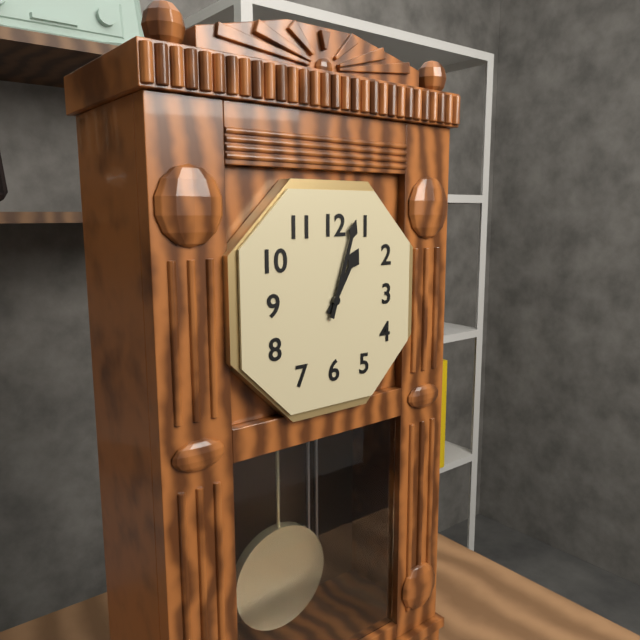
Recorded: **1:03**
